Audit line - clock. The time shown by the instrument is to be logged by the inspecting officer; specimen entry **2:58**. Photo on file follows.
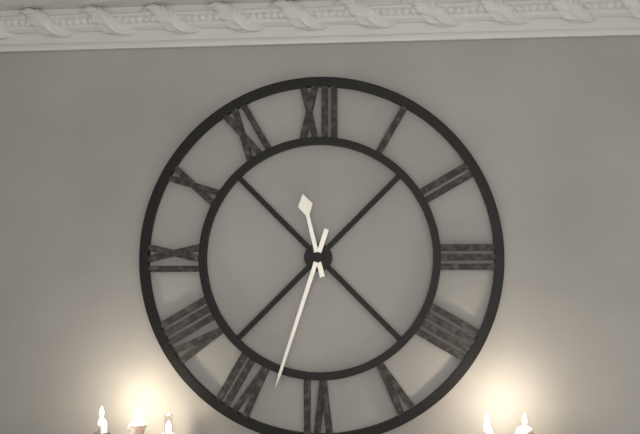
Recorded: **11:33**
